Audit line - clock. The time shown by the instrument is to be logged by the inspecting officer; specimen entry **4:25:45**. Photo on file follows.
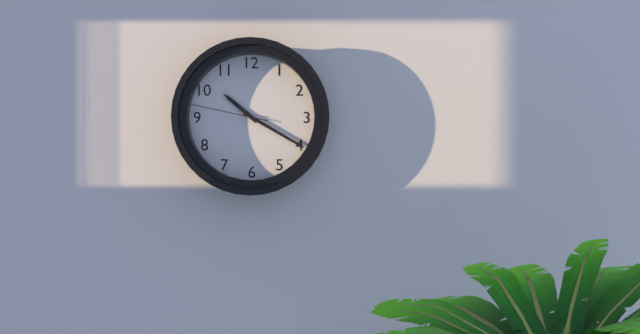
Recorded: **10:20:47**
